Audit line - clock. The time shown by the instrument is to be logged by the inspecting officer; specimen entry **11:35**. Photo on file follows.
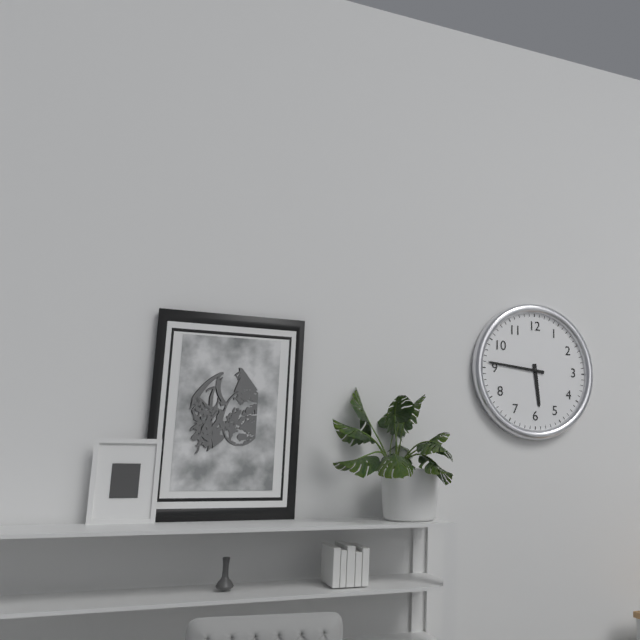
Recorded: **5:46**
